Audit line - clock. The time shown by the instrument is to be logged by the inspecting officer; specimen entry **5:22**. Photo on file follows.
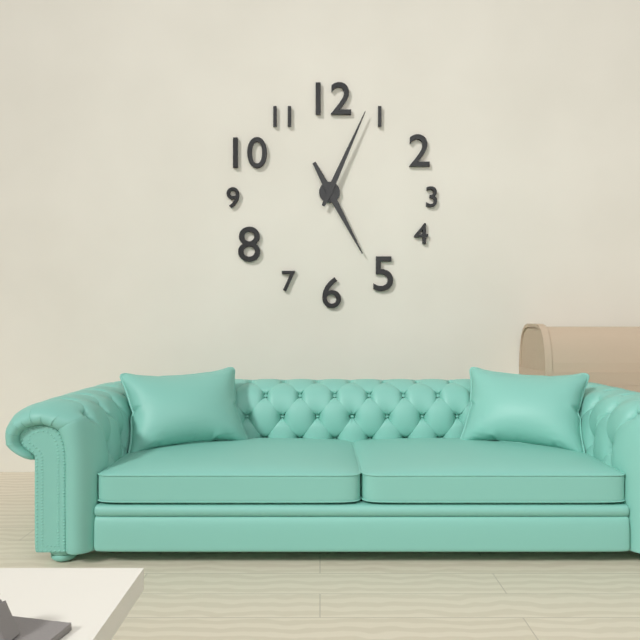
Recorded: **5:04**
